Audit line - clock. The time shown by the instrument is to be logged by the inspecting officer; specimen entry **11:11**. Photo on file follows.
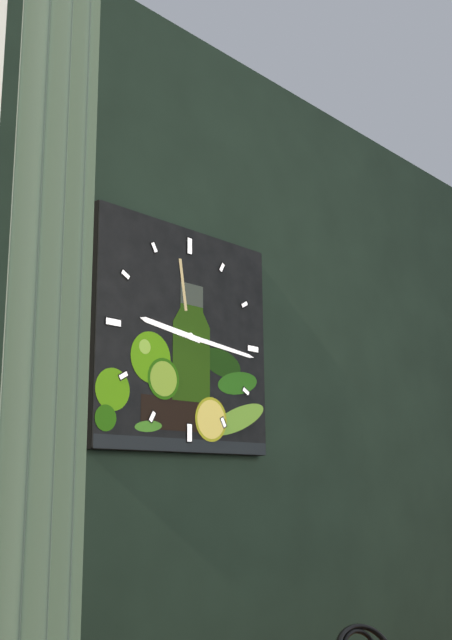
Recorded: **9:16**
